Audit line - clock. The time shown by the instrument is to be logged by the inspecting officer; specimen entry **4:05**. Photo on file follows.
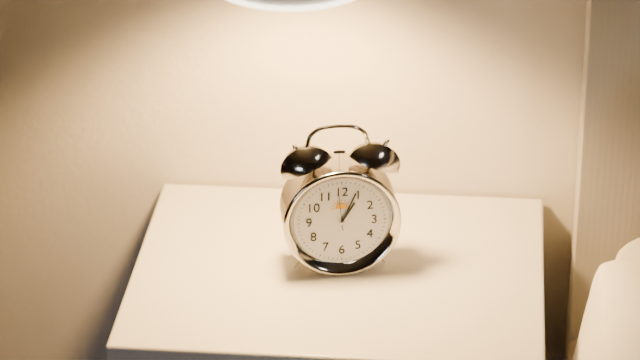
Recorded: **1:04**
